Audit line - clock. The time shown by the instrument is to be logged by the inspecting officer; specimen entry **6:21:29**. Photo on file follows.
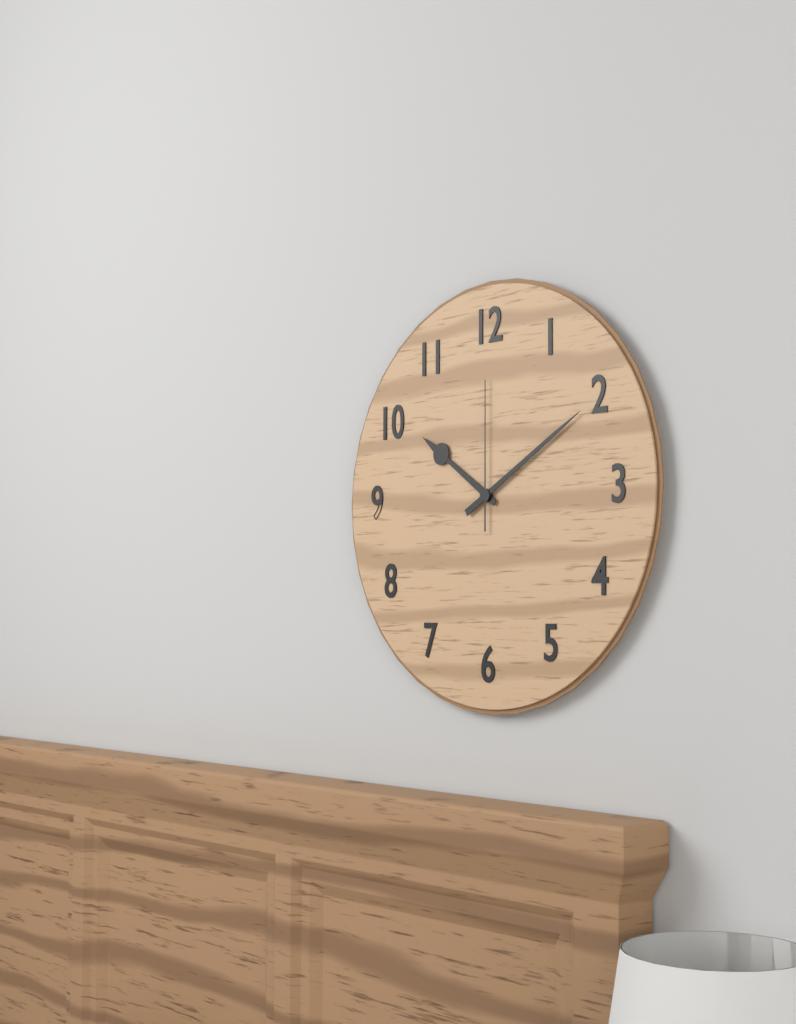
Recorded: **10:10:00**
